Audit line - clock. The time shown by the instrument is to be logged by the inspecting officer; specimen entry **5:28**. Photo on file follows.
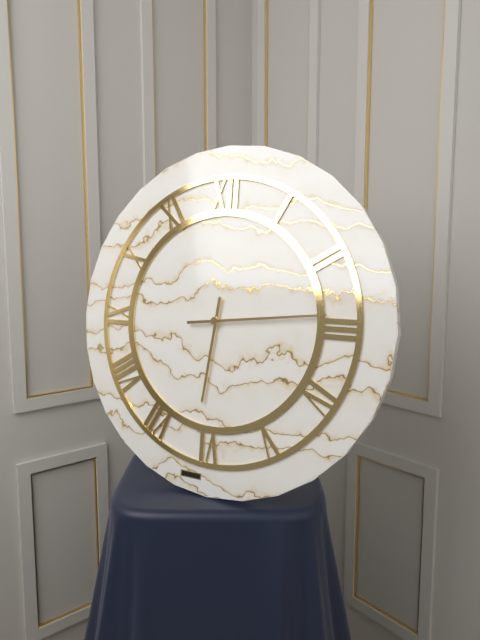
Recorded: **6:14**
